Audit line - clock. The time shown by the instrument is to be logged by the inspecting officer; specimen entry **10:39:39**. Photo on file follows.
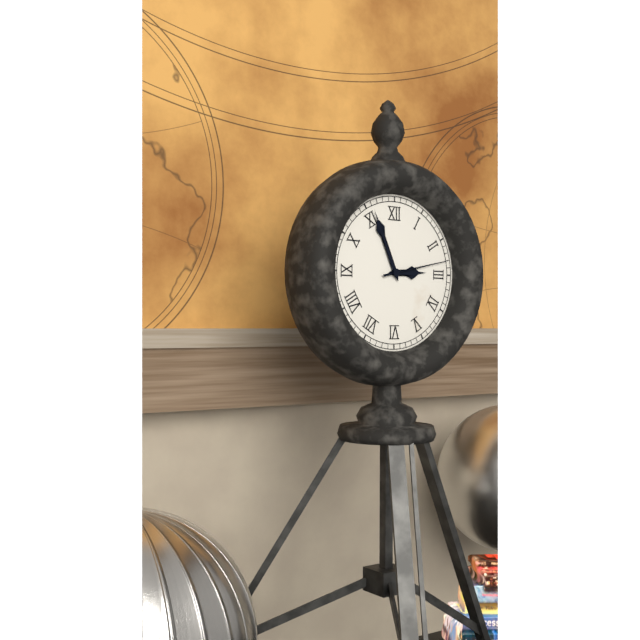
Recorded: **2:56:13**
